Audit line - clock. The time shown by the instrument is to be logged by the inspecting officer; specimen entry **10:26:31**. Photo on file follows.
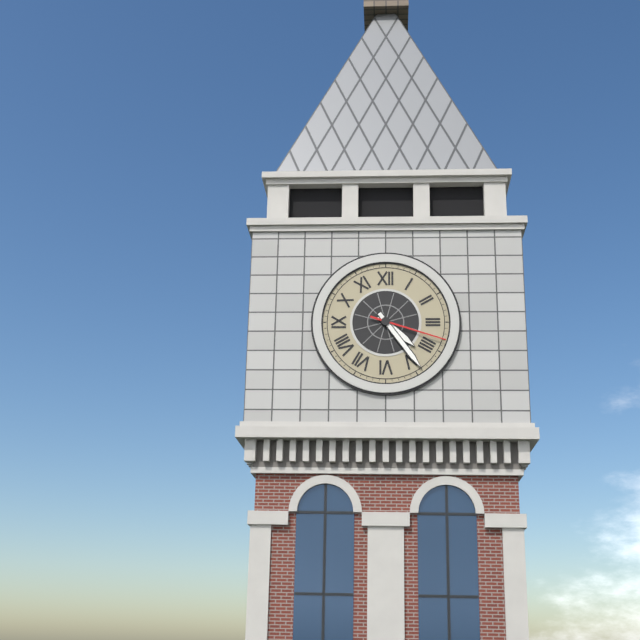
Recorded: **4:24:18**
